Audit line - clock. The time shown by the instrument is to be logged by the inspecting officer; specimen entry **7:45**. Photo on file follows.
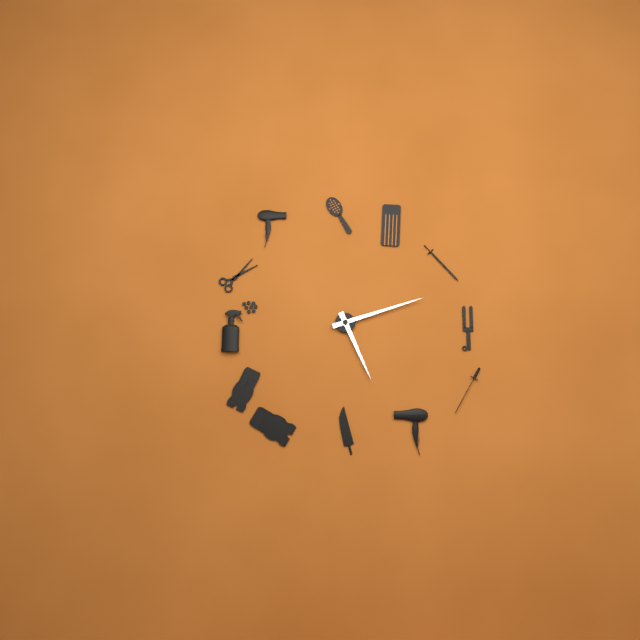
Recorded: **5:12**
